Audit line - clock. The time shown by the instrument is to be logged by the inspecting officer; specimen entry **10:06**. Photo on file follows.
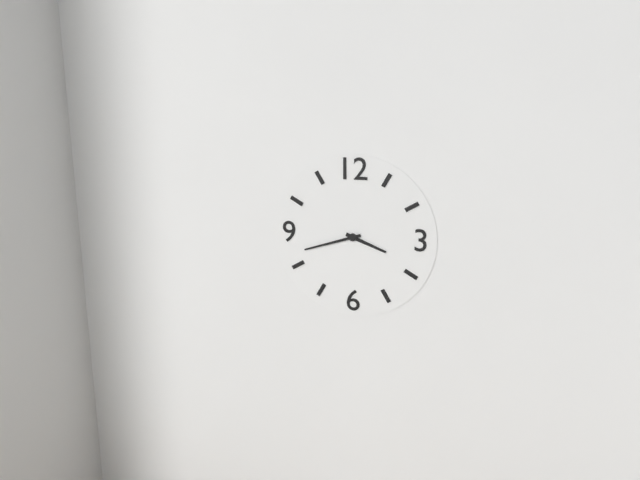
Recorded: **3:42**
